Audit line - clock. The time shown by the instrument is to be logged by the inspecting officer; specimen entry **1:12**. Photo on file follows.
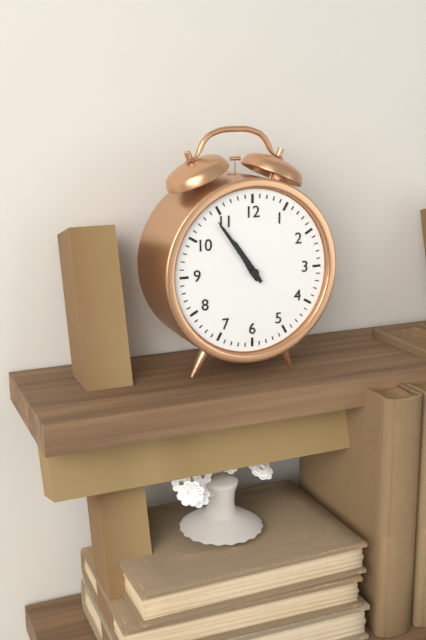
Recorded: **10:54**
